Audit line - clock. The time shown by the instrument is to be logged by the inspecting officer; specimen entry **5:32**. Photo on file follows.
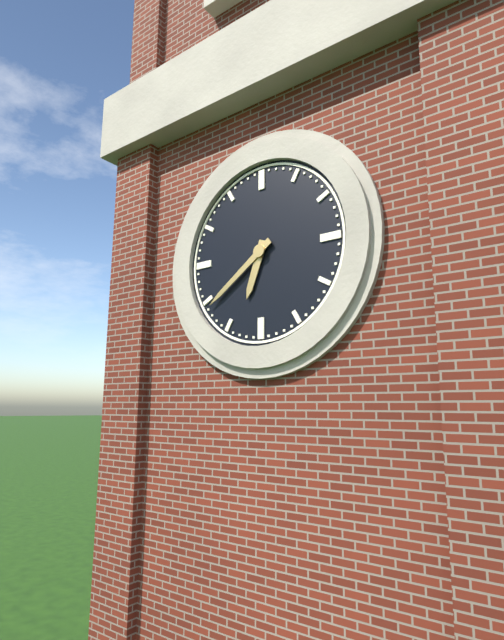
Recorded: **6:39**
